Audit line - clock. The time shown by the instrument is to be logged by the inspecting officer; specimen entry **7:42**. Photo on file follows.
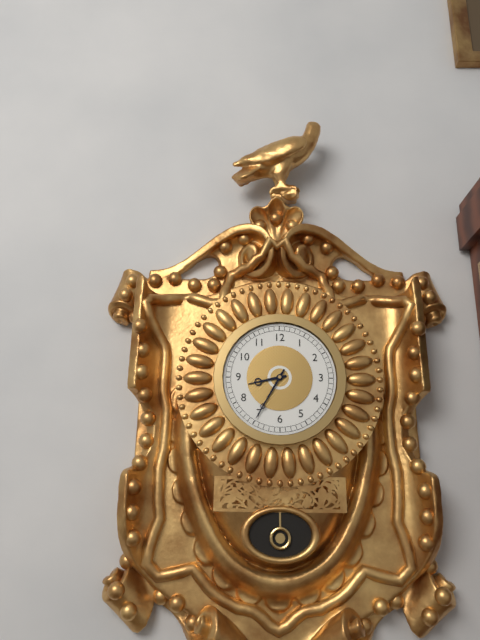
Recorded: **8:35**
